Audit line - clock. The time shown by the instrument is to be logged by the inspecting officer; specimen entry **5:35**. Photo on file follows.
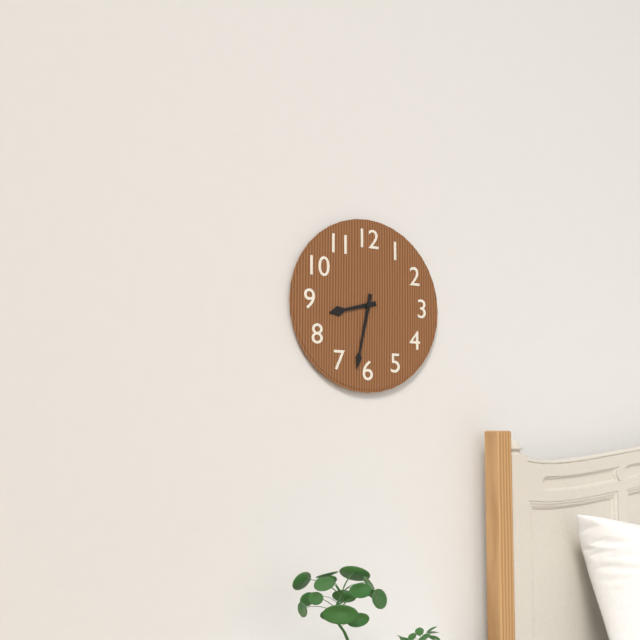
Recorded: **8:32**
